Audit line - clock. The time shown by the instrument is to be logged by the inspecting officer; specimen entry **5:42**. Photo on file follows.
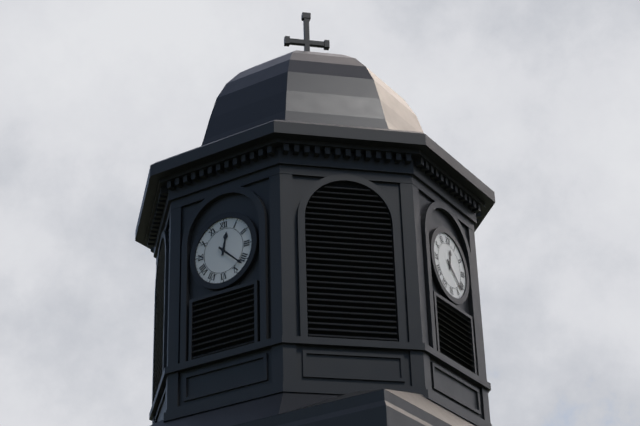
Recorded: **12:22**
